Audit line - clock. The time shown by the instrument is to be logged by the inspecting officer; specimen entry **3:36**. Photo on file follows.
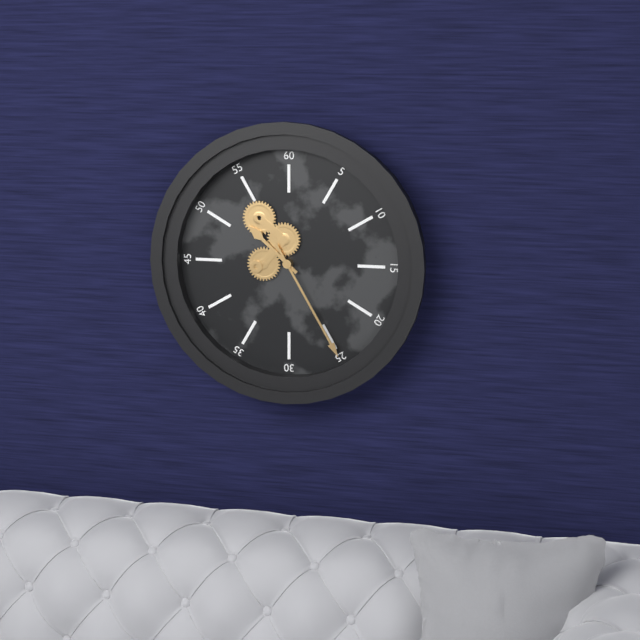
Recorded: **10:25**
